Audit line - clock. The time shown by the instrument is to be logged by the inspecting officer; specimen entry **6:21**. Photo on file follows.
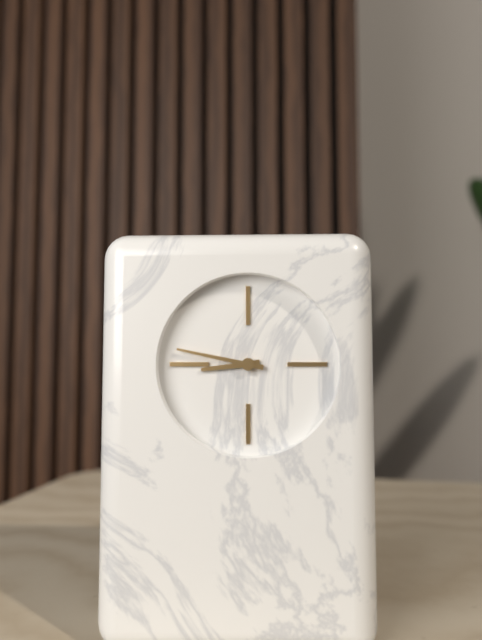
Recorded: **8:47**
